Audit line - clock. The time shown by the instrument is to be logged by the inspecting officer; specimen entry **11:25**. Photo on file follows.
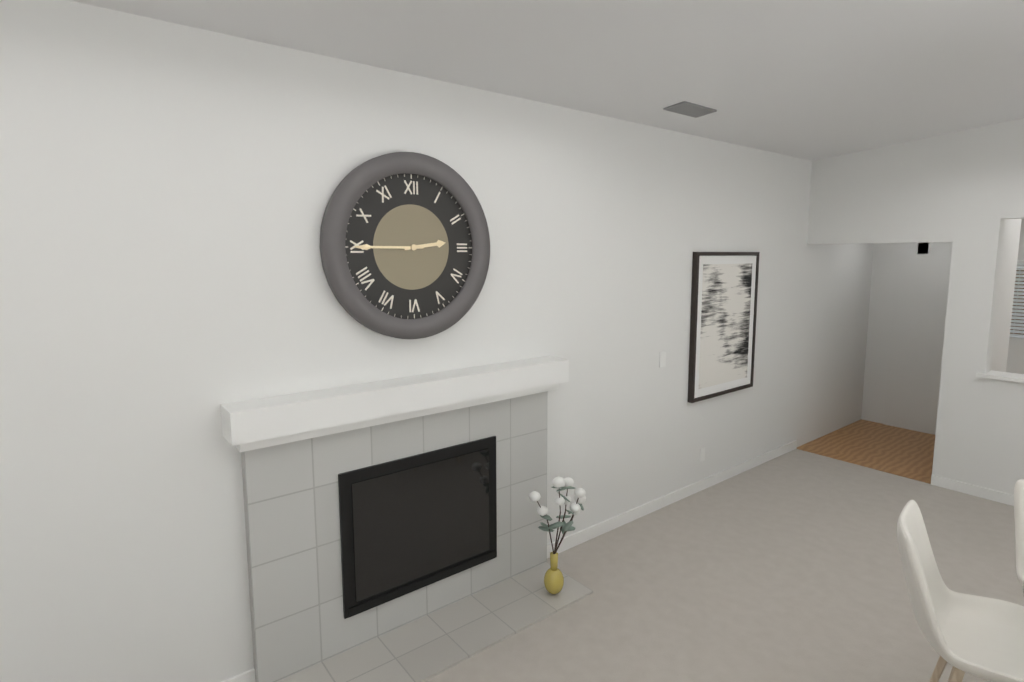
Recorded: **2:45**
